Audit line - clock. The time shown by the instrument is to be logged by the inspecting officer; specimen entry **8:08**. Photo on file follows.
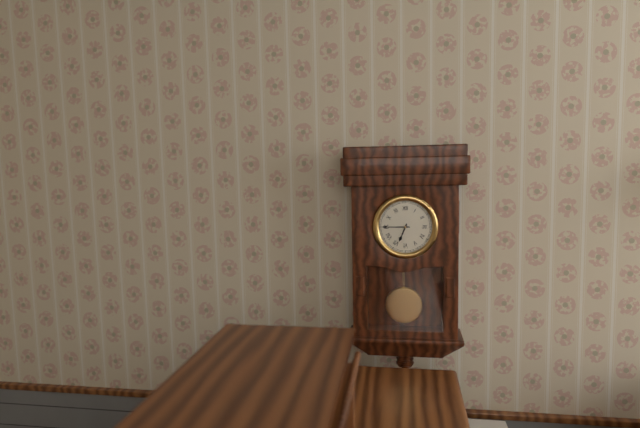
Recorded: **6:45**
